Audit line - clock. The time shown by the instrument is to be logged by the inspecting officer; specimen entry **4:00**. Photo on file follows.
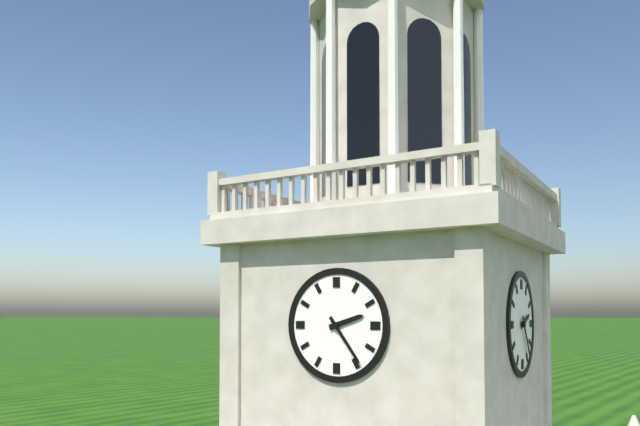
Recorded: **2:24**
